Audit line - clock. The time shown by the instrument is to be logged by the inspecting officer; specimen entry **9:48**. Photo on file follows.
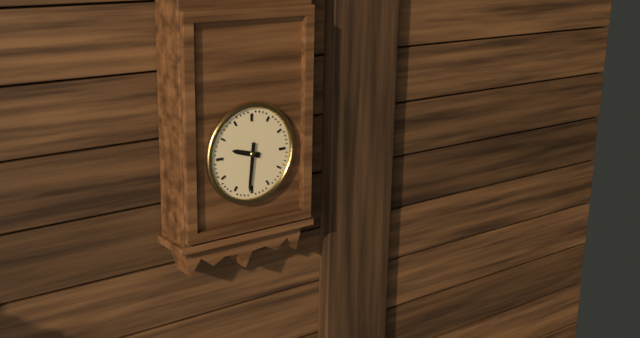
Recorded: **9:31**
